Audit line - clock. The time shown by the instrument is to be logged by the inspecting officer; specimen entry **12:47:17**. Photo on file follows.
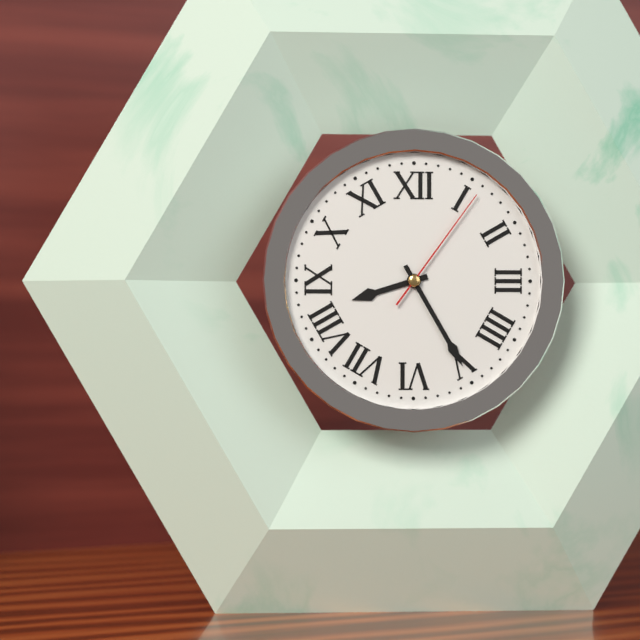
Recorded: **8:25:06**
